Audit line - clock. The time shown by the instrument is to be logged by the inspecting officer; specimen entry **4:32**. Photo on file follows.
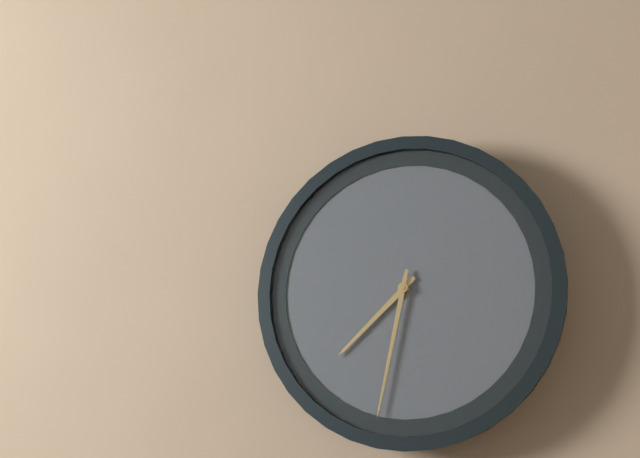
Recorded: **7:32**
